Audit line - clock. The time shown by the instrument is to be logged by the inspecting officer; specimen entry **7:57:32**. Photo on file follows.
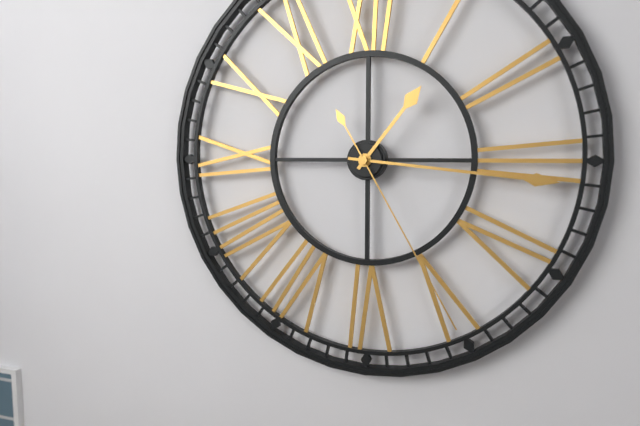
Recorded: **1:16:25**
